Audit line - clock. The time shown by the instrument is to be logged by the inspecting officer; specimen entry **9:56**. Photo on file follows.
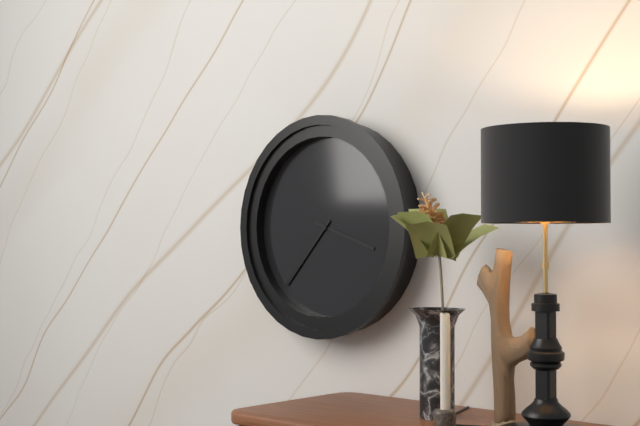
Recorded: **3:37**
